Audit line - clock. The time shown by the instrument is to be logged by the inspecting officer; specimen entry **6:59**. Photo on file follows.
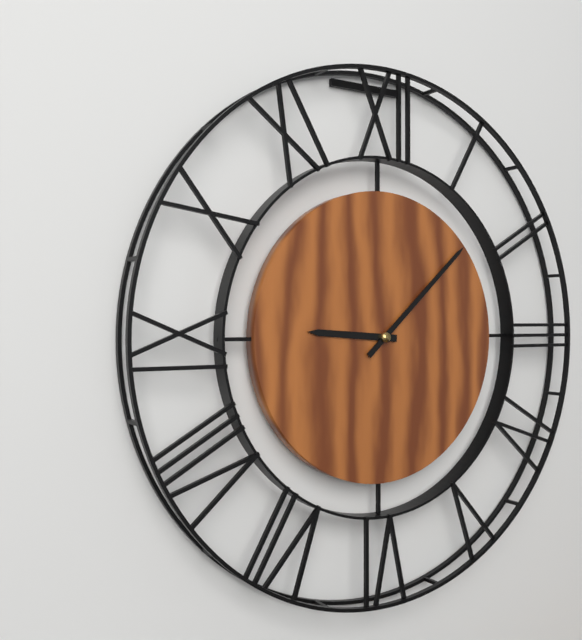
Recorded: **9:08**
